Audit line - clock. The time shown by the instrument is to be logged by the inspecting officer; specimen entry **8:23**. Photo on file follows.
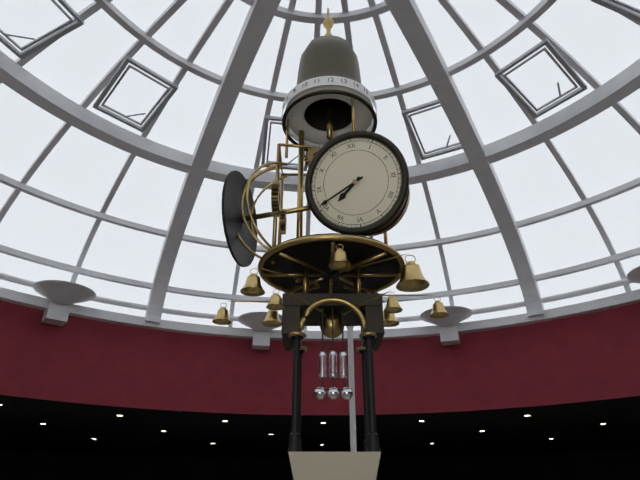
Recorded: **7:41**
